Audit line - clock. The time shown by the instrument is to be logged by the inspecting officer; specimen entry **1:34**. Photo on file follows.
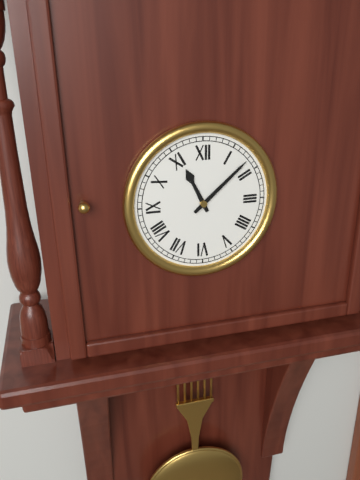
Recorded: **11:08**
